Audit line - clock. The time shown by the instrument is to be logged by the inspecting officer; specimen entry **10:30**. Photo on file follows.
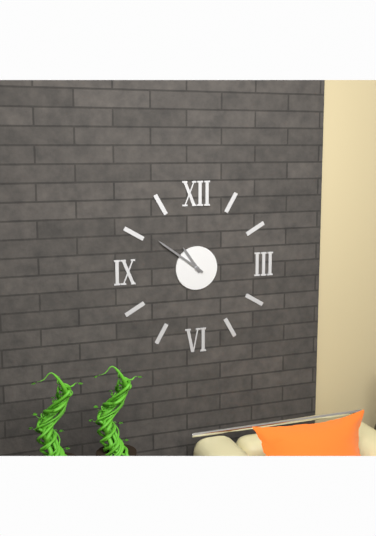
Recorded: **10:51**
